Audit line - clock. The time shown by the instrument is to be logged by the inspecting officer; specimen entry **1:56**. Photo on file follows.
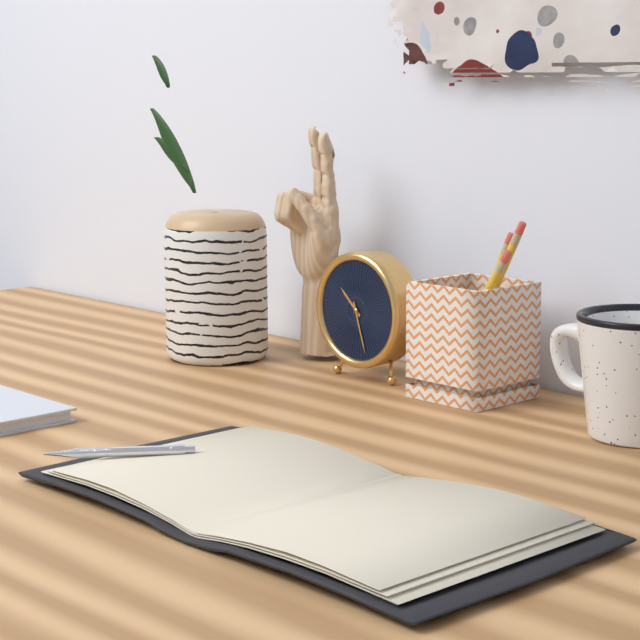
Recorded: **10:27**
